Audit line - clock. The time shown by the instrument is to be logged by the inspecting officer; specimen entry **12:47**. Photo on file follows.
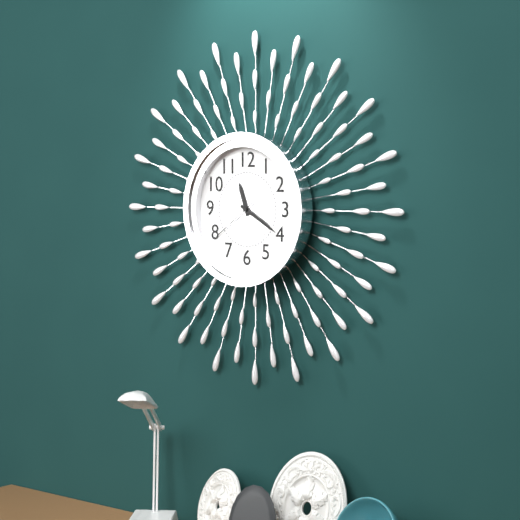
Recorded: **11:20**
